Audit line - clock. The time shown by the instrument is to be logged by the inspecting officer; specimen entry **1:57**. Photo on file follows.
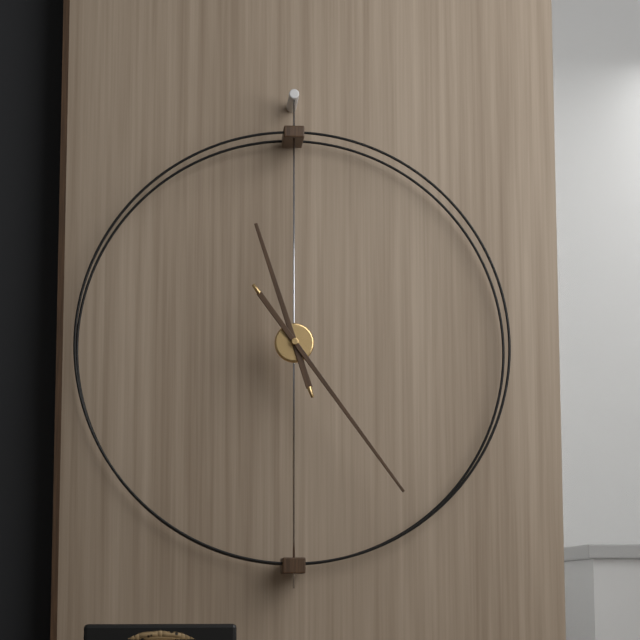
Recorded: **11:24**
